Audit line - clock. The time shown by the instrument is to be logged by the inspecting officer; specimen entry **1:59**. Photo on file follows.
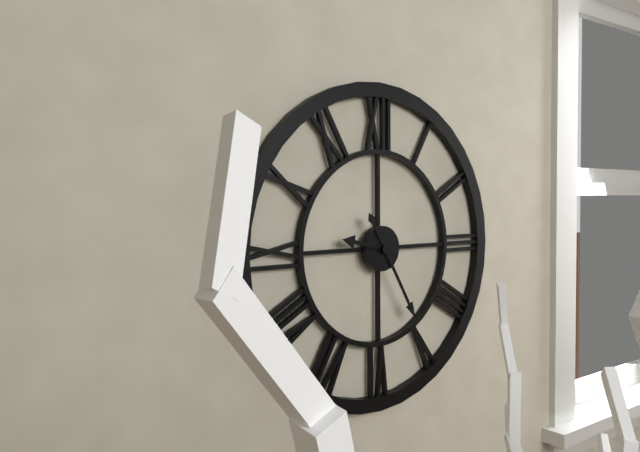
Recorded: **9:25**
